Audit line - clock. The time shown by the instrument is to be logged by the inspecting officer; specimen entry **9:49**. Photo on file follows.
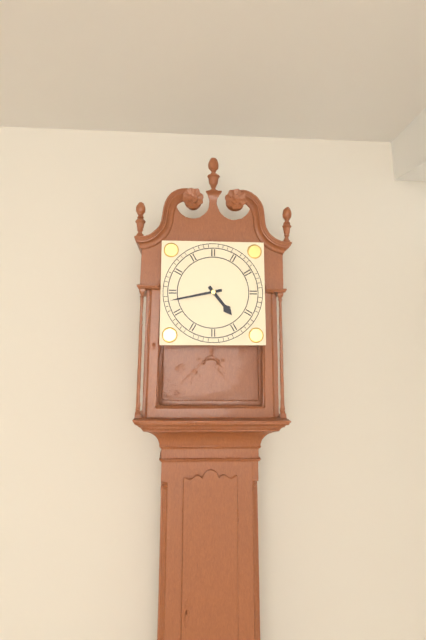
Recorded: **4:43**
